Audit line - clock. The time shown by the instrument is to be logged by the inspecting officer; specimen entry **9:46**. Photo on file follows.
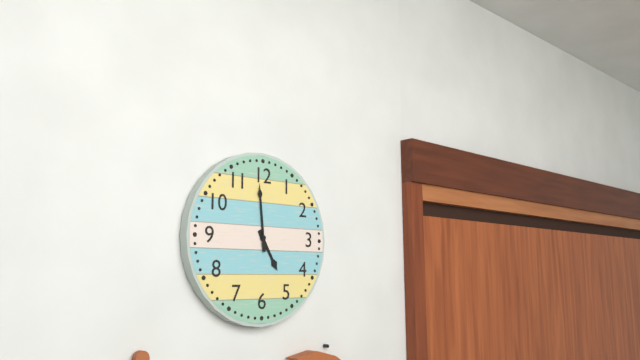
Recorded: **4:59**
